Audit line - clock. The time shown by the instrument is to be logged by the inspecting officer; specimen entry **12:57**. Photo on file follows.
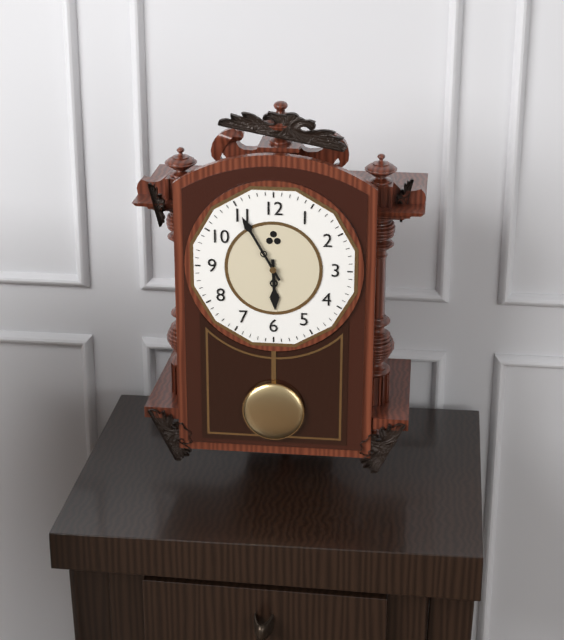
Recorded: **5:55**
